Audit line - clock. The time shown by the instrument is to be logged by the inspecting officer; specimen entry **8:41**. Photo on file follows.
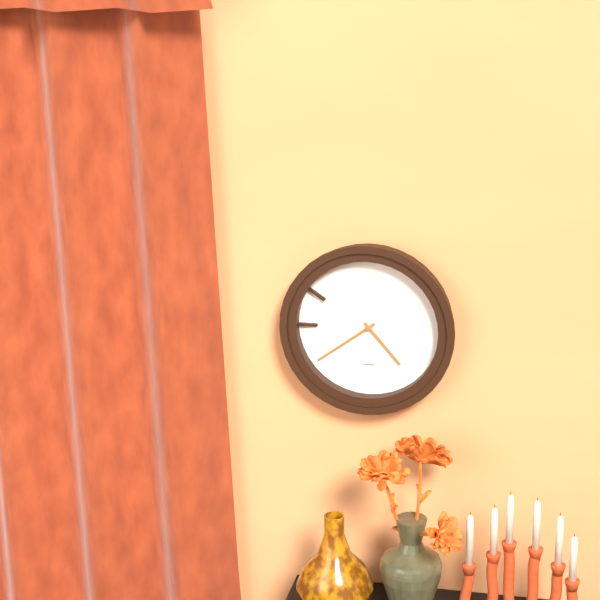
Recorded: **4:39**
